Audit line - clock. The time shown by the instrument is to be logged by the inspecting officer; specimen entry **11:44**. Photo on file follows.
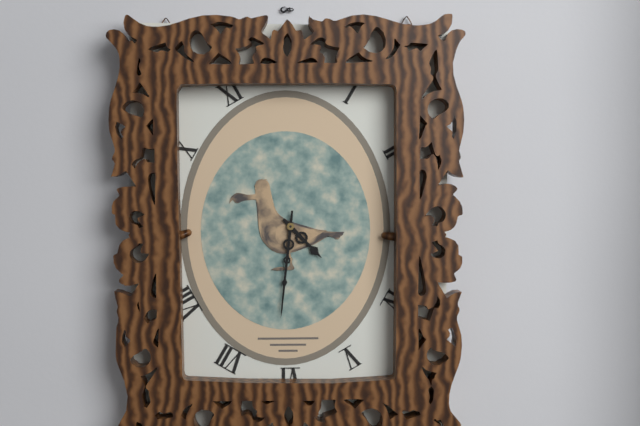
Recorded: **4:31**
